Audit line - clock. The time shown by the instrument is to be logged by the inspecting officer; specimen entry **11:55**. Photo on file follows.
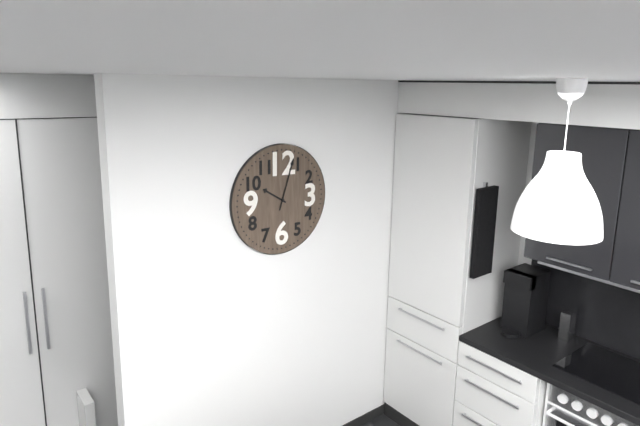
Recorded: **10:03**
